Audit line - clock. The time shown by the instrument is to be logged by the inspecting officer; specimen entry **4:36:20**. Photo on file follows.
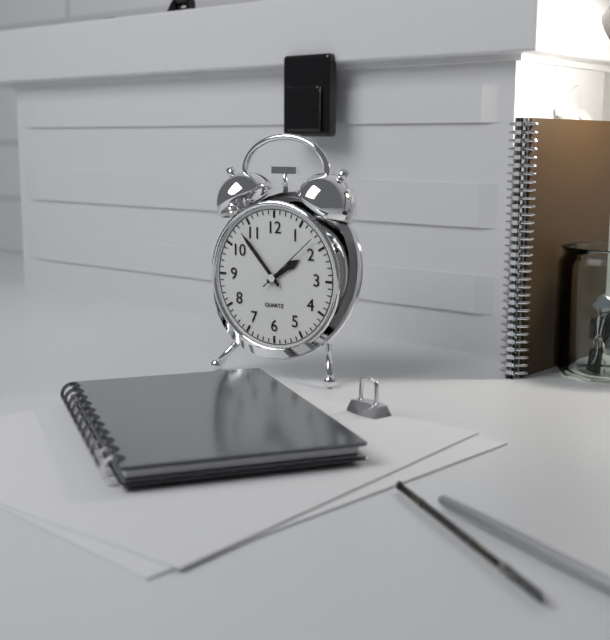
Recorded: **1:53:08**
